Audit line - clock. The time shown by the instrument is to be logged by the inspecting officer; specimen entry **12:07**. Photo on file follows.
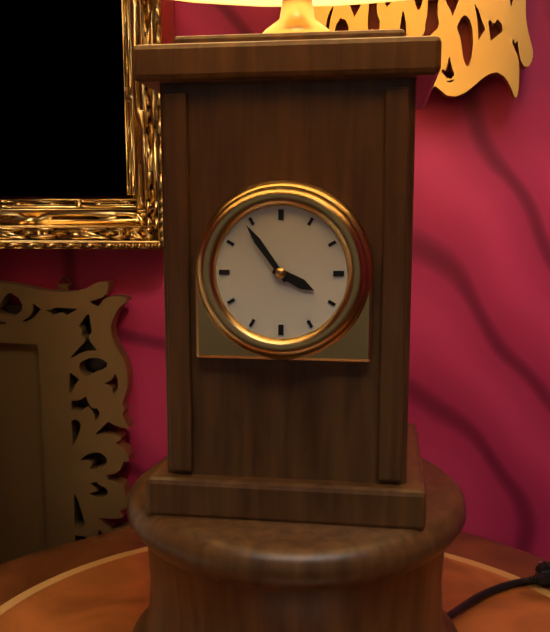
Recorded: **3:54**
